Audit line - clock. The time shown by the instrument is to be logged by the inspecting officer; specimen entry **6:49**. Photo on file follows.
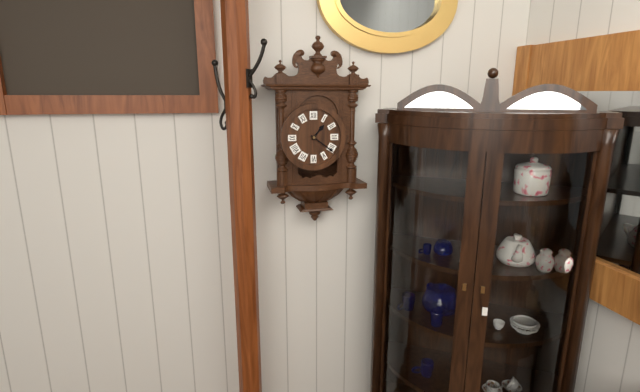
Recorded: **1:21**
